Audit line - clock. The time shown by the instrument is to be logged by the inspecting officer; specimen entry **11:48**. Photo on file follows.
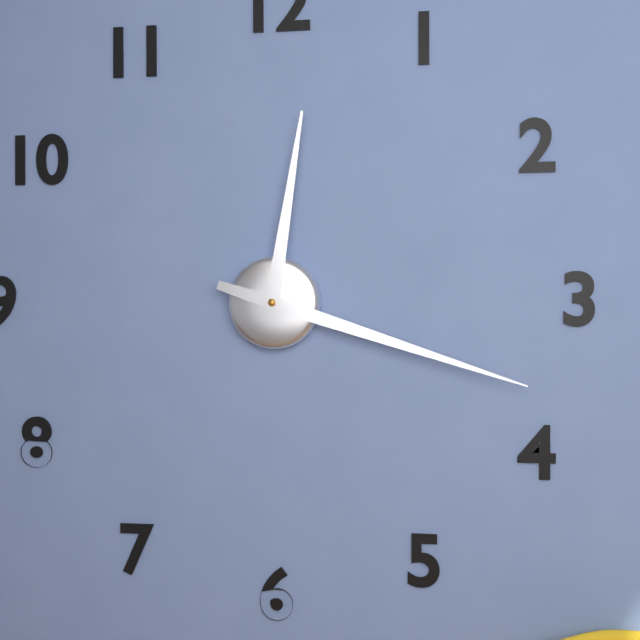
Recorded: **12:18**
